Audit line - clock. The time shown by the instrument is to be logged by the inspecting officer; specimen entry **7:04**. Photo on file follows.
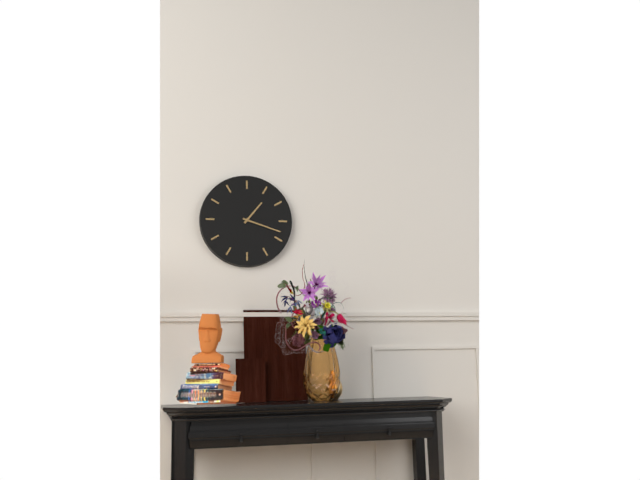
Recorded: **1:18**
